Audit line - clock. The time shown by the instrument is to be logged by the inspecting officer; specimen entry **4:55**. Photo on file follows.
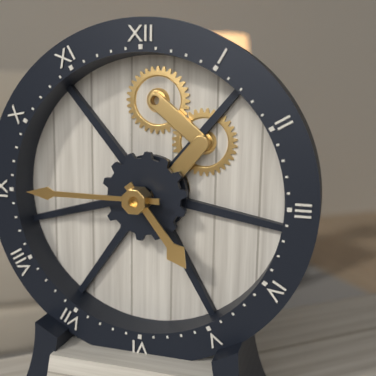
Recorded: **4:45**
